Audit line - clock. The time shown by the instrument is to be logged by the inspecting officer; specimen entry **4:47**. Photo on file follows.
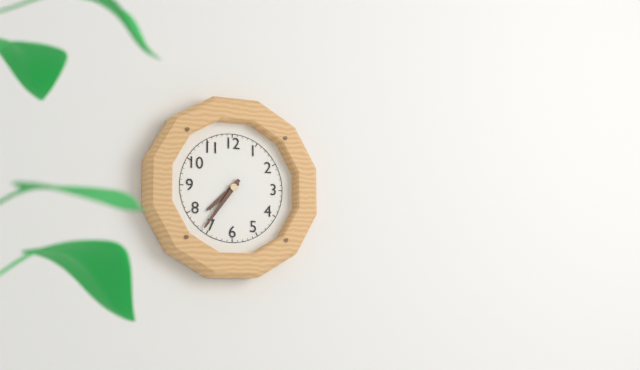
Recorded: **7:36**
